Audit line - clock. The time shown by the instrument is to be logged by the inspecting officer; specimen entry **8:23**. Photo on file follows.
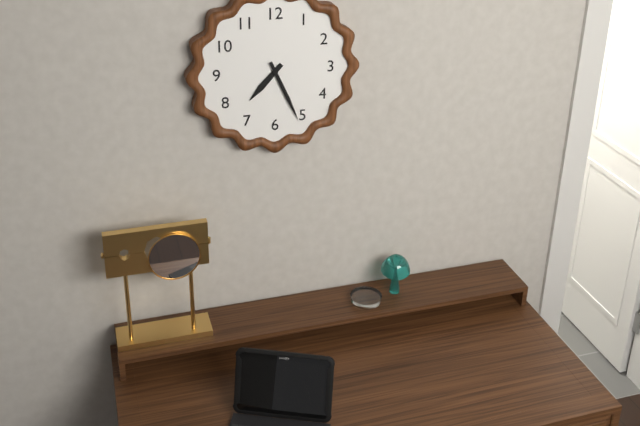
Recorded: **7:26**
